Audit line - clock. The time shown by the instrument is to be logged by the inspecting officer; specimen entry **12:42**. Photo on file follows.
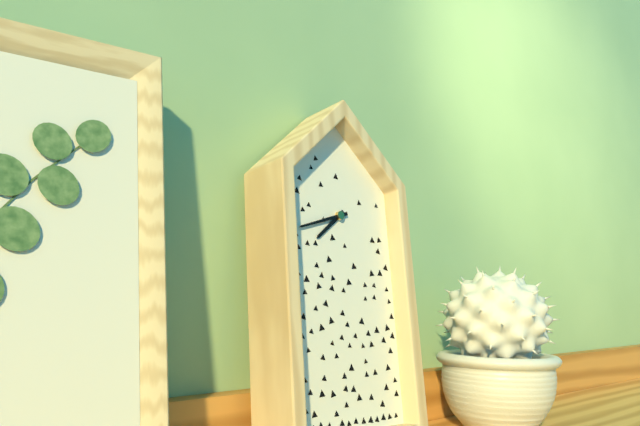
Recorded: **7:42**
